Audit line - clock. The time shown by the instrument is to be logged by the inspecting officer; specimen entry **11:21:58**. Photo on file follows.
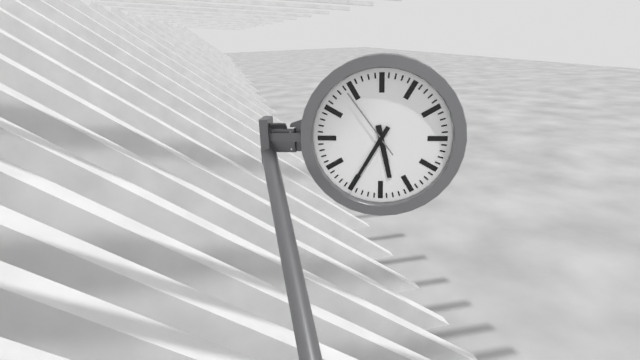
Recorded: **5:35:54**
